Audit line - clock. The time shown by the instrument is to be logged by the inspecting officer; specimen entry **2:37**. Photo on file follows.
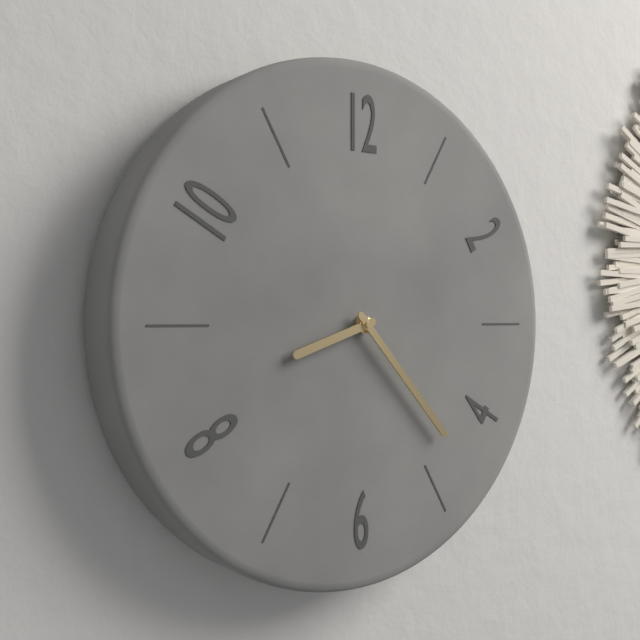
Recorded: **8:23**
